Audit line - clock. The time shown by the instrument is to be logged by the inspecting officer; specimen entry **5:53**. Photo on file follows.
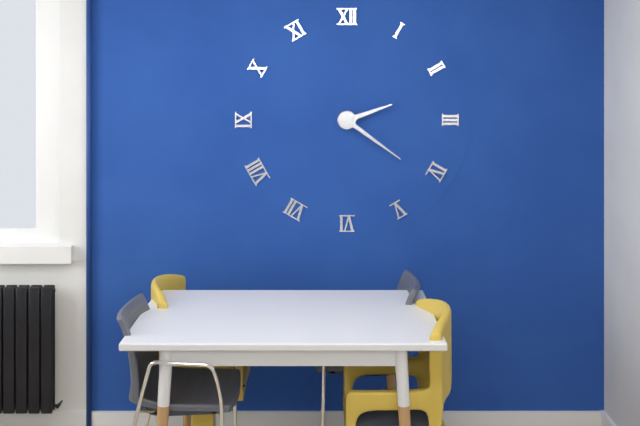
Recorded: **2:21**
